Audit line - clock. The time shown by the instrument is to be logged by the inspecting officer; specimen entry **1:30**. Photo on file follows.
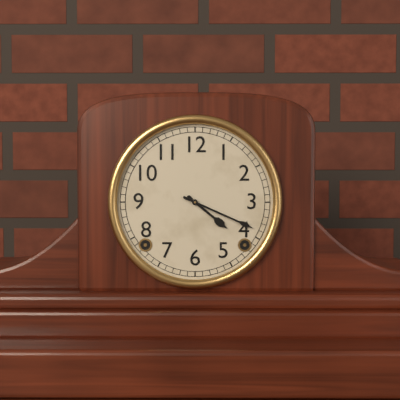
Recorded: **4:19**
